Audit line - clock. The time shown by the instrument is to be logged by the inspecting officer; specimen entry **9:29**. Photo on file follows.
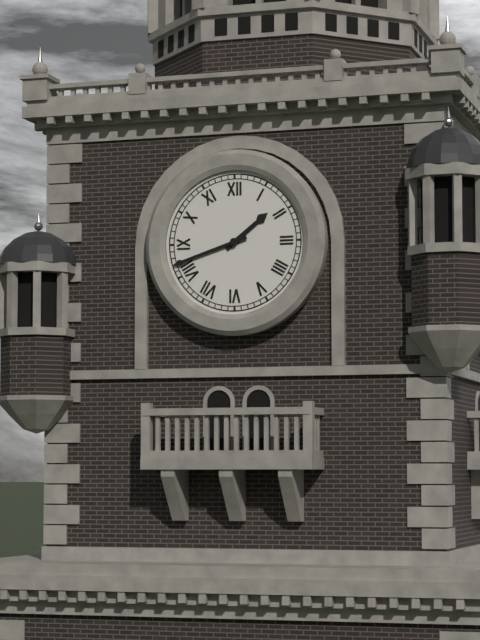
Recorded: **1:42**
